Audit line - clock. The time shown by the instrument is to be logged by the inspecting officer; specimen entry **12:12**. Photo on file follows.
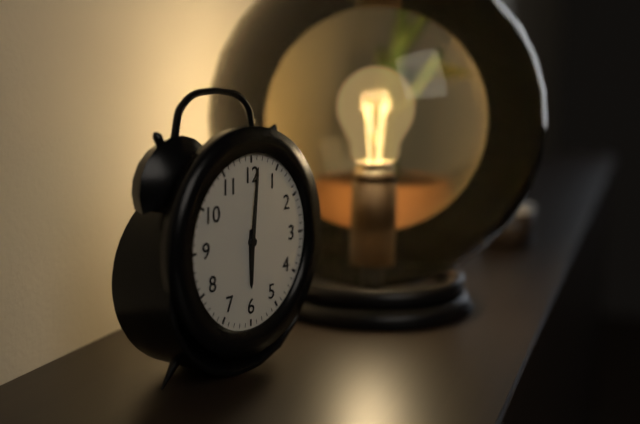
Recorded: **6:01**
